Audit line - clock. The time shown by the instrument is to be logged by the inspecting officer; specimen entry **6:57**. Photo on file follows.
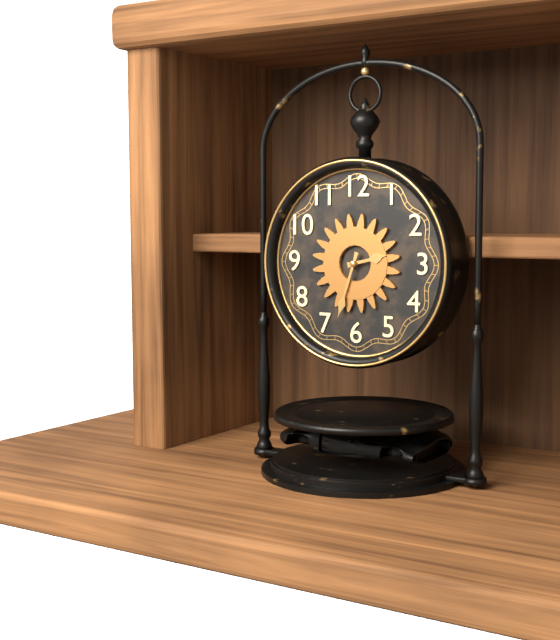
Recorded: **2:33**
